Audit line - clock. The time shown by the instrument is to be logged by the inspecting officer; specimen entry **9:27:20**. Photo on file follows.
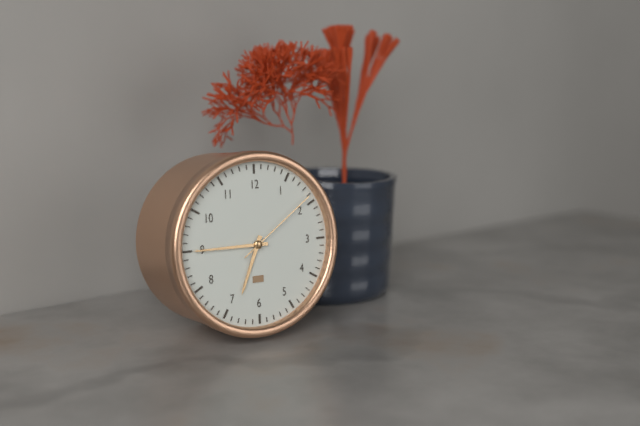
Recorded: **6:45:09**
